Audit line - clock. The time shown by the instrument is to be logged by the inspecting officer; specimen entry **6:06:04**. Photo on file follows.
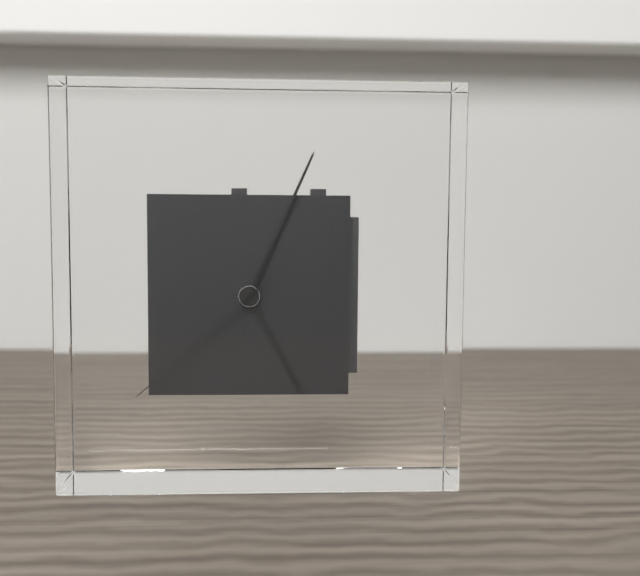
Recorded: **5:04:38**
